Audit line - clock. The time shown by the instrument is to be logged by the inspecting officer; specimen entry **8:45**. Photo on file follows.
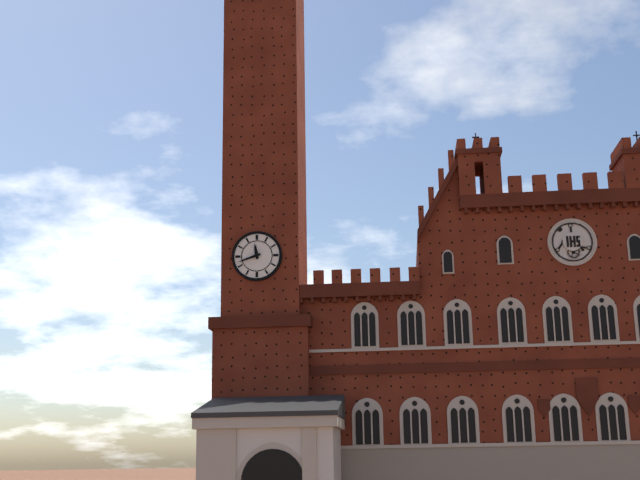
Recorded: **11:42**
